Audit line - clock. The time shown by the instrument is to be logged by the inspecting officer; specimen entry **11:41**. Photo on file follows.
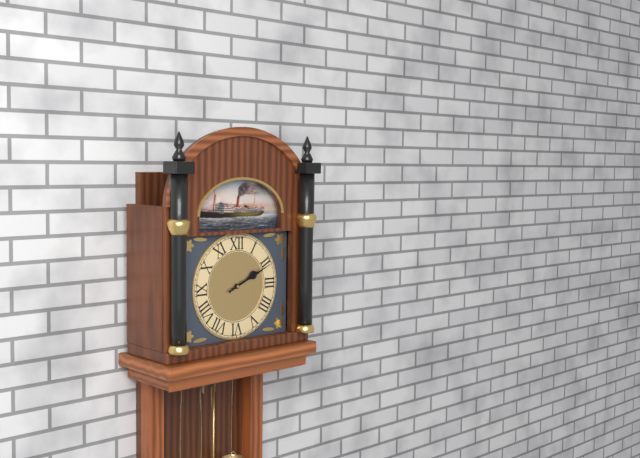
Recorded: **2:11**
